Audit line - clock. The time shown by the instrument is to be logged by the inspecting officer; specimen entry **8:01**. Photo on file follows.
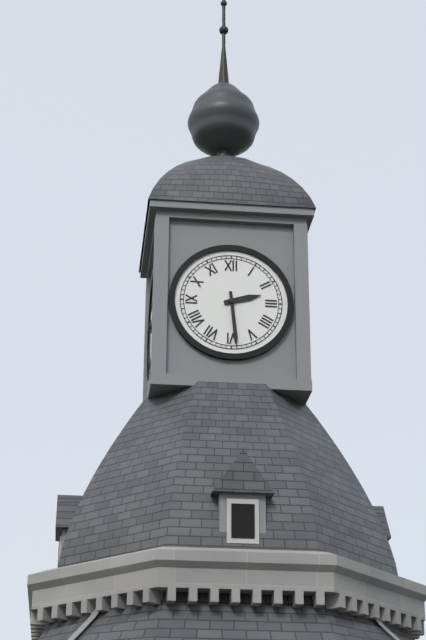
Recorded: **2:29**
